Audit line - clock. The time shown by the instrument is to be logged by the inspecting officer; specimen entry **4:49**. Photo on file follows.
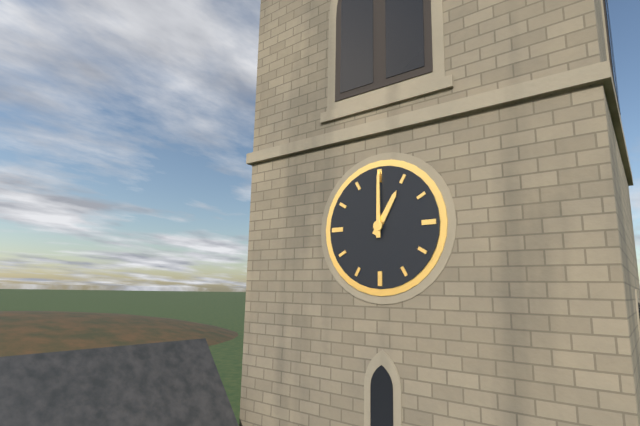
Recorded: **1:00**
